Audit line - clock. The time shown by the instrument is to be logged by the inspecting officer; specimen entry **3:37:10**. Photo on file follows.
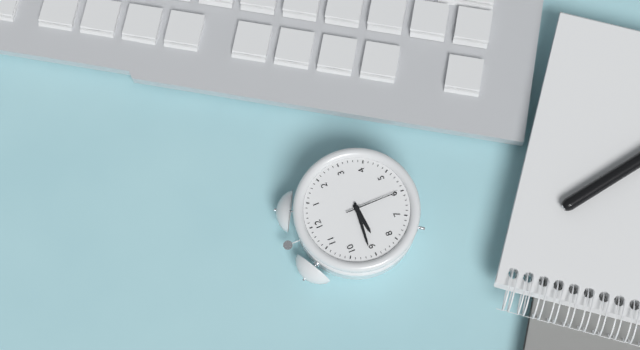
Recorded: **8:46:30**
